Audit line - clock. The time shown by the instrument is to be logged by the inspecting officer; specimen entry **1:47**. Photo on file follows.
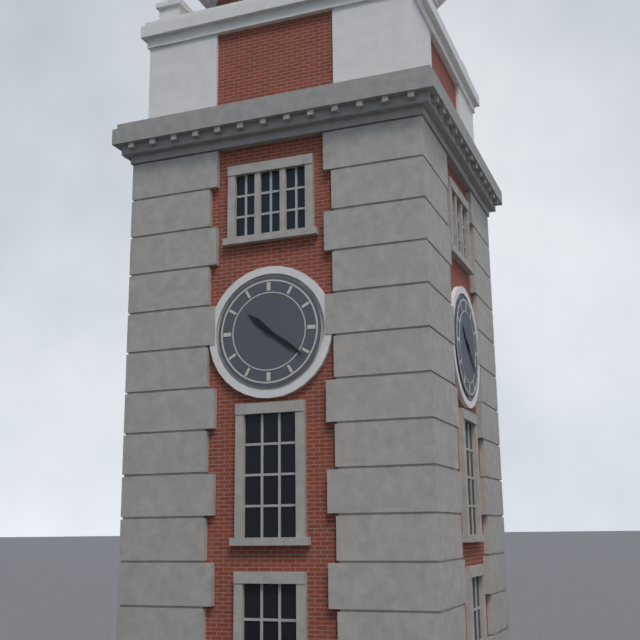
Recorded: **10:21**
